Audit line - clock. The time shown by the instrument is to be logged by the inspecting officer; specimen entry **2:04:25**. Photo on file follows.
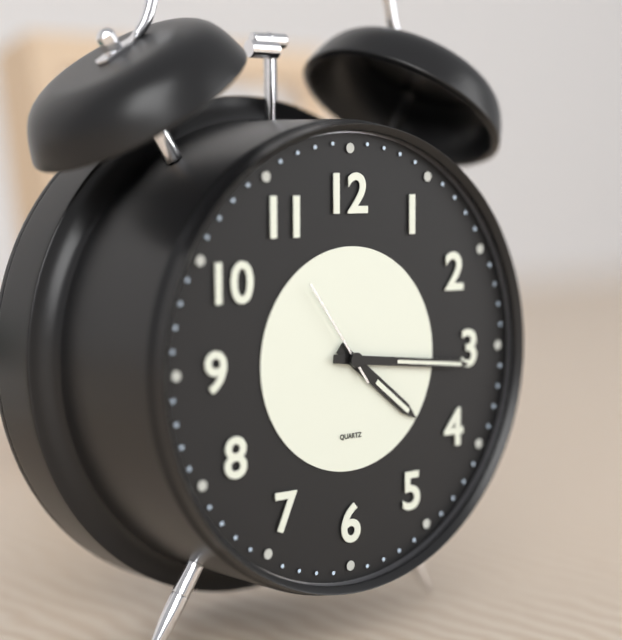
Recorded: **4:16:54**
